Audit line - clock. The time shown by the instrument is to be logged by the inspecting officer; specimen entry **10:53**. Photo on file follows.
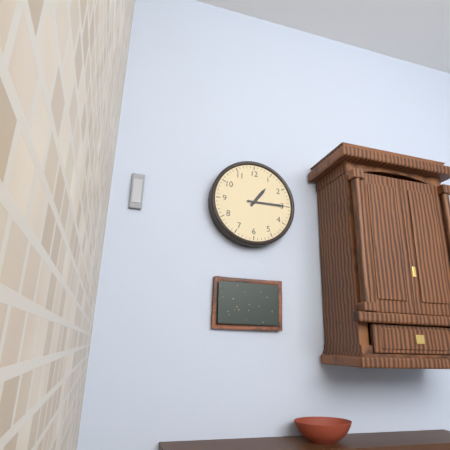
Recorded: **1:15**
